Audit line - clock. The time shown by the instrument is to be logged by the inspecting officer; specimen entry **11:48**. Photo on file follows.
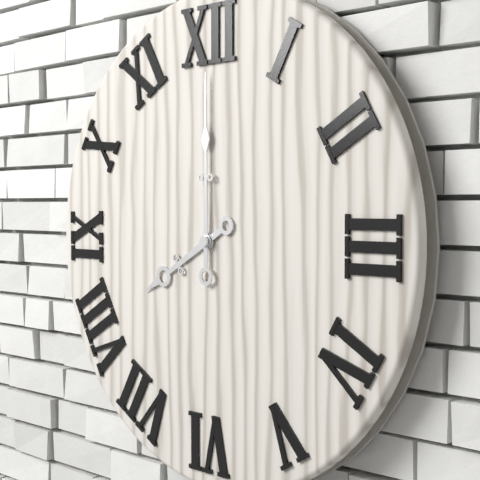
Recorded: **8:00**
